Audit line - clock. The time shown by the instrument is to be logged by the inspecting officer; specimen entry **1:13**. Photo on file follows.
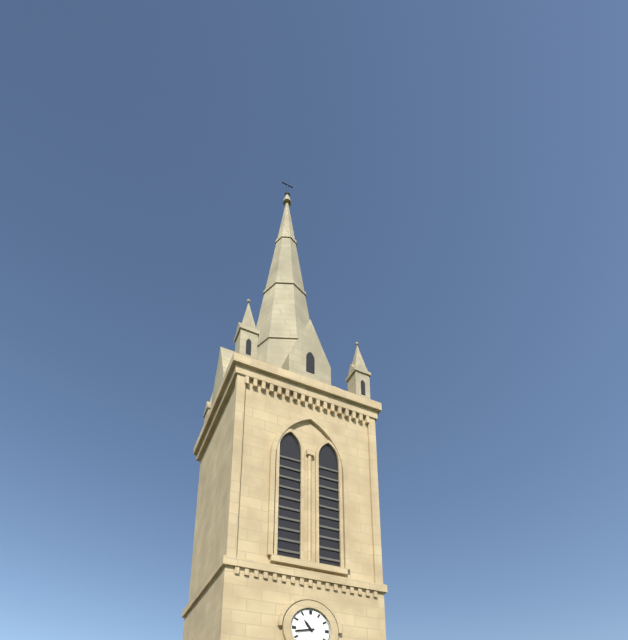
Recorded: **10:43**
